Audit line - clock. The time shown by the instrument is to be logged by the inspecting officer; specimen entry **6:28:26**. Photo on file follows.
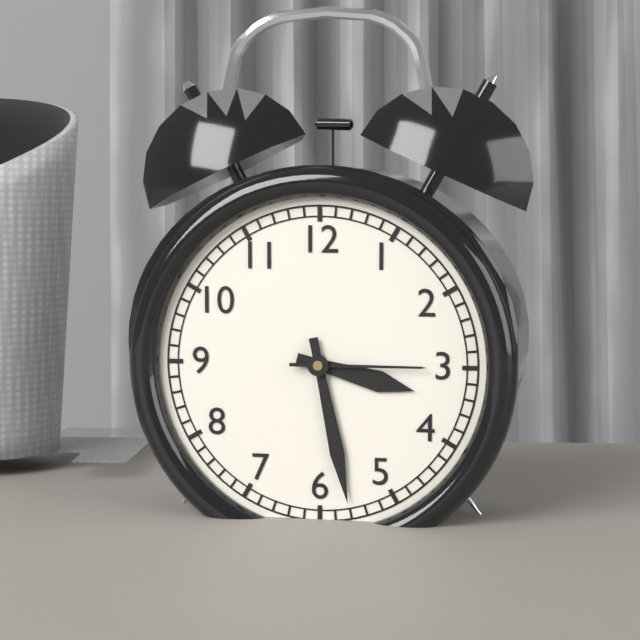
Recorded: **3:28:15**
